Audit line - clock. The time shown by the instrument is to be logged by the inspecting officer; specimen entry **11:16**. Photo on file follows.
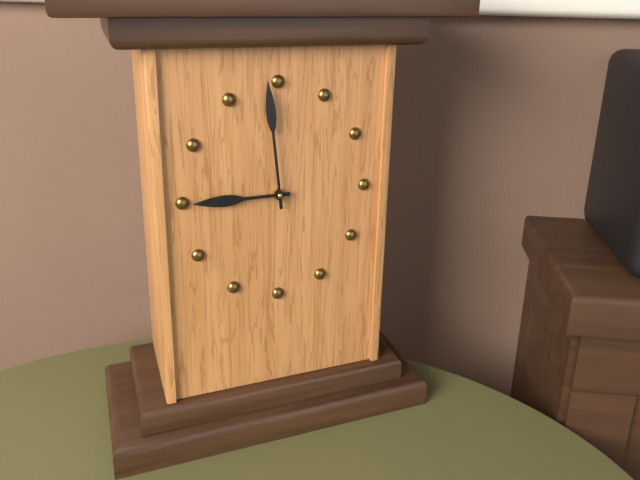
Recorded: **8:59**
